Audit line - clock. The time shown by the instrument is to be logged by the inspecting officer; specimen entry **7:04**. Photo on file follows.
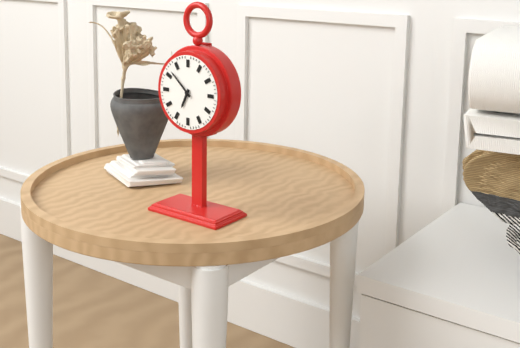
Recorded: **6:52**
